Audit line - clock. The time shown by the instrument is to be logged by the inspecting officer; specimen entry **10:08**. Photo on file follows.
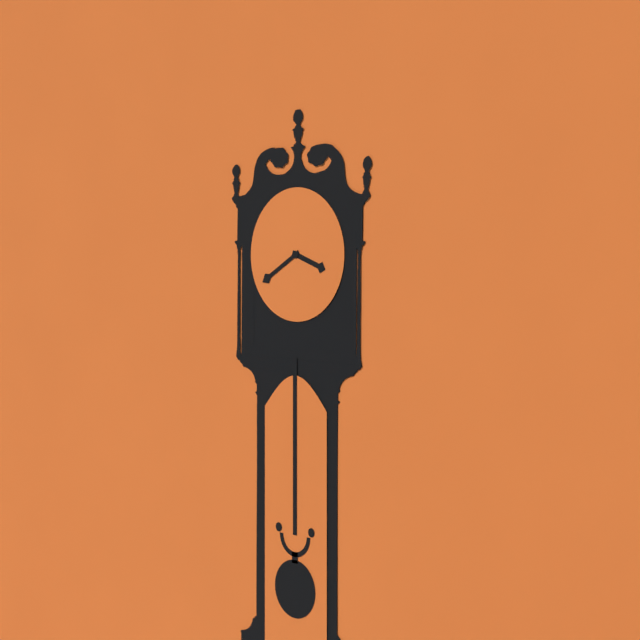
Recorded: **3:40**
